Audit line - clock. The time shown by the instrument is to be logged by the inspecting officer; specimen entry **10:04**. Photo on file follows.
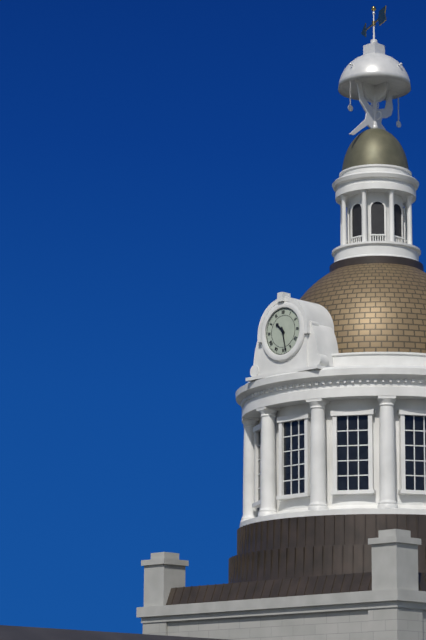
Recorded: **10:28**
